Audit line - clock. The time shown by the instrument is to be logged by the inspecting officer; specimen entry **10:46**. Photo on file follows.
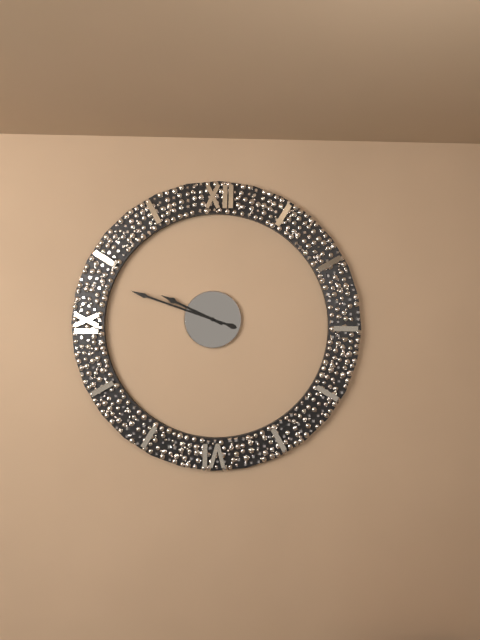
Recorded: **9:48**
